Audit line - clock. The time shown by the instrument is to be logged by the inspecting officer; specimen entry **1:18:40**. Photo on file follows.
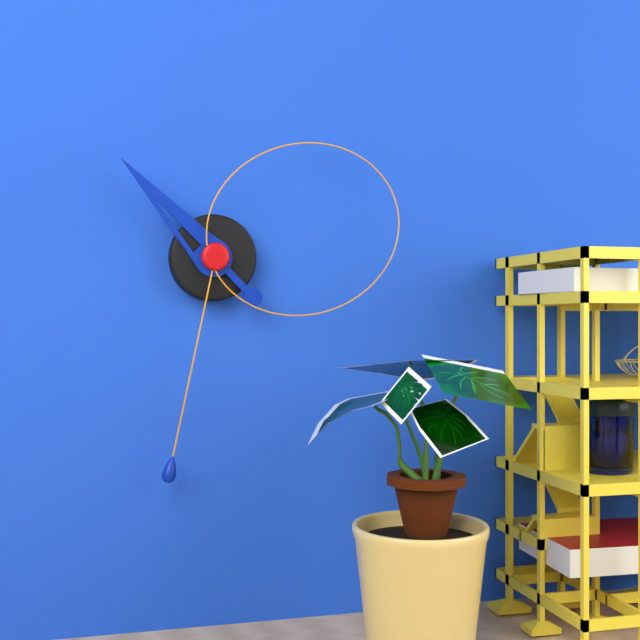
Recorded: **10:32:12**
